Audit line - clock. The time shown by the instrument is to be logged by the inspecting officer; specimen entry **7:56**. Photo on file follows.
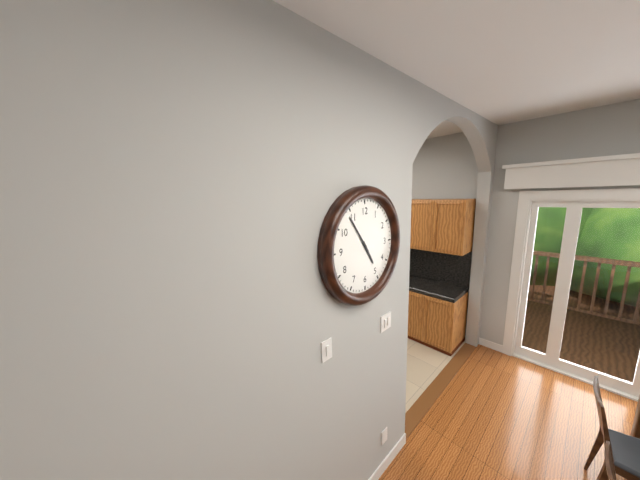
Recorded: **4:54**
